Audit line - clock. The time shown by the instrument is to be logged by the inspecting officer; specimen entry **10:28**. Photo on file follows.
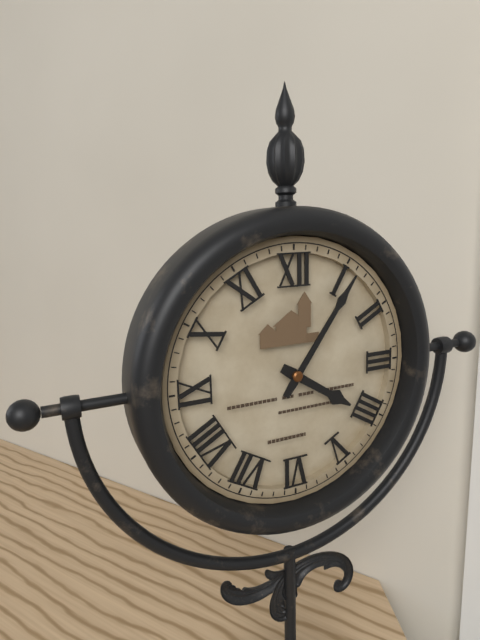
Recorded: **4:06**
